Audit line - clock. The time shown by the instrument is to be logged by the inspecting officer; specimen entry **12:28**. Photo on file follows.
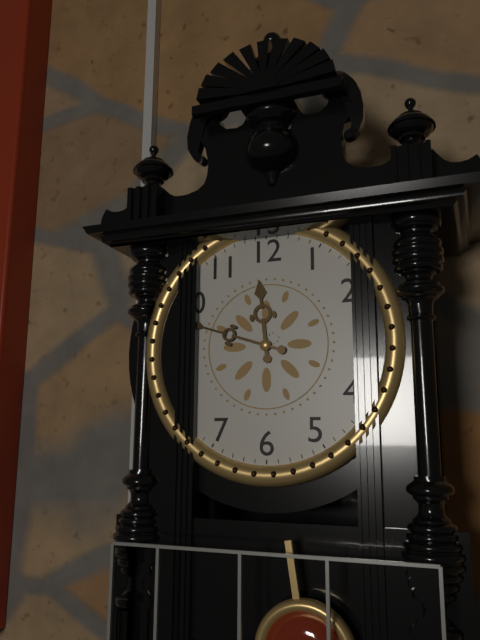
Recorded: **11:48**
